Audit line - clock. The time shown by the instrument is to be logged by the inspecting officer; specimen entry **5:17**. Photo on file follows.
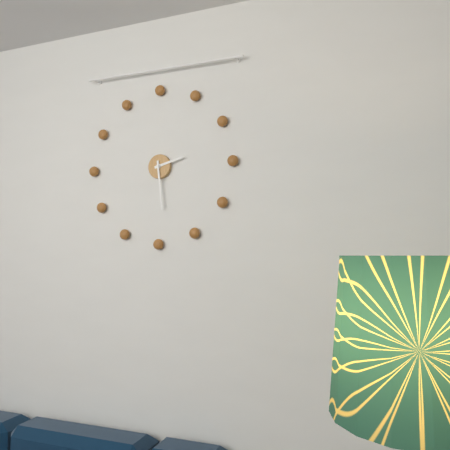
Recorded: **2:29**
